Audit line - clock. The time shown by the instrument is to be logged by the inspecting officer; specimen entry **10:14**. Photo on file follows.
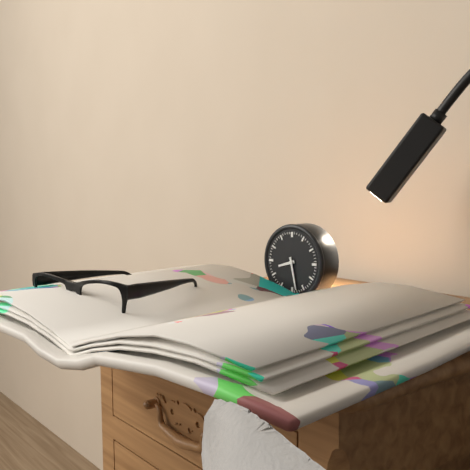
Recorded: **8:28**
